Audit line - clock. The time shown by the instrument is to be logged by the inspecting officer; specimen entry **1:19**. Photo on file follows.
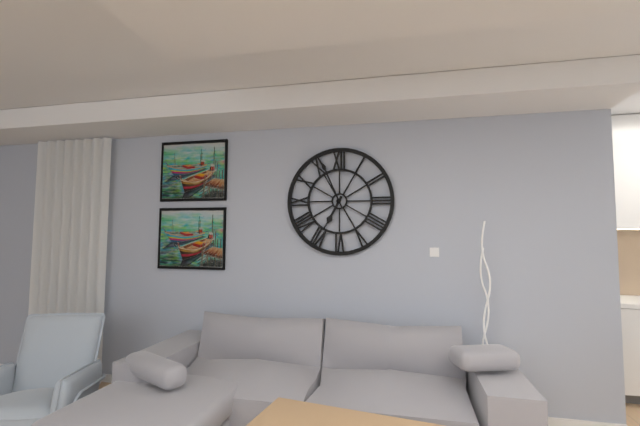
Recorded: **6:56**
